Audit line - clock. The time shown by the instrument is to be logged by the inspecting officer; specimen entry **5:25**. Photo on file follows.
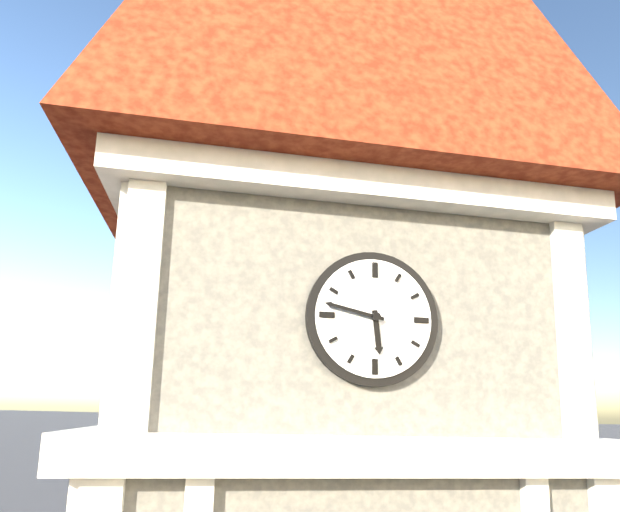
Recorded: **5:47**
